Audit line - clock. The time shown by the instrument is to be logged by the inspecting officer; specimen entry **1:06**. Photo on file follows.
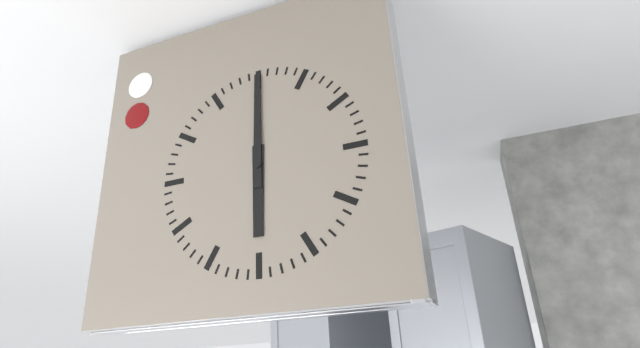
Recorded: **6:00**
